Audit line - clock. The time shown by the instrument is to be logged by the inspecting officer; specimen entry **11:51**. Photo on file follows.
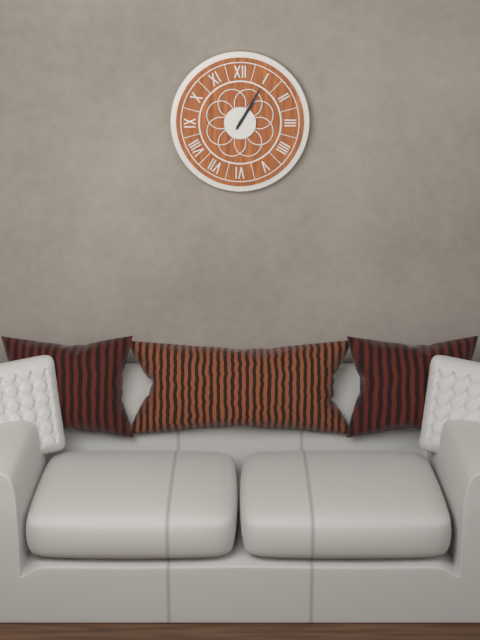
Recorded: **1:05**
